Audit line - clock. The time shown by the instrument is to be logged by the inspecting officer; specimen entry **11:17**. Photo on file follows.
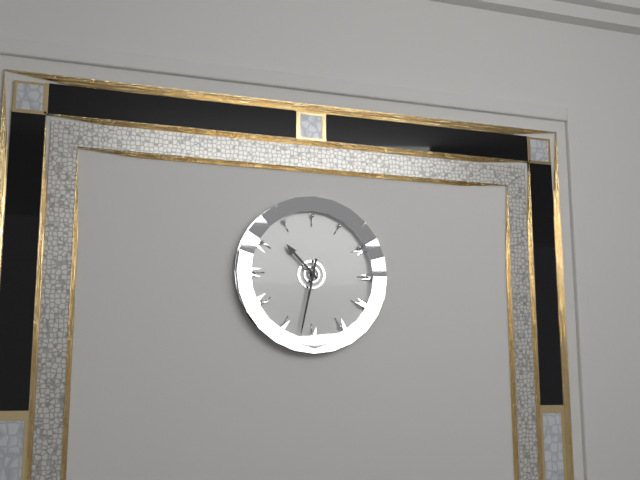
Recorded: **10:32**
